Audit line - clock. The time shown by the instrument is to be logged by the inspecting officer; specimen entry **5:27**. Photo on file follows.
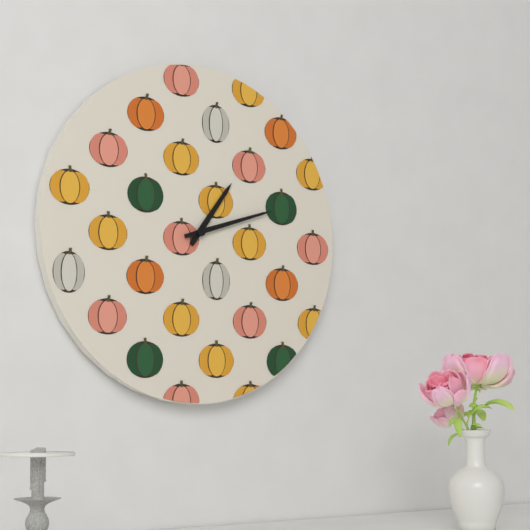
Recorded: **1:12**
